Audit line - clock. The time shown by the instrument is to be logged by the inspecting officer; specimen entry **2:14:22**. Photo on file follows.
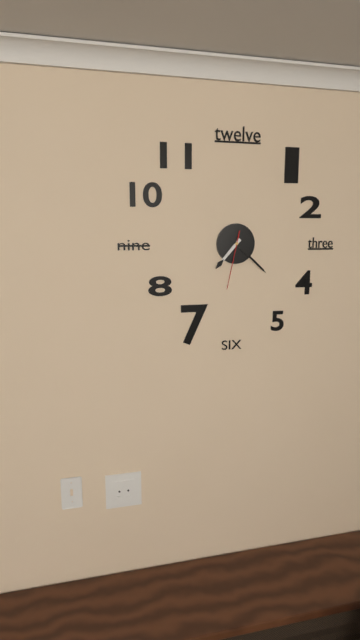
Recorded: **7:22:32**
